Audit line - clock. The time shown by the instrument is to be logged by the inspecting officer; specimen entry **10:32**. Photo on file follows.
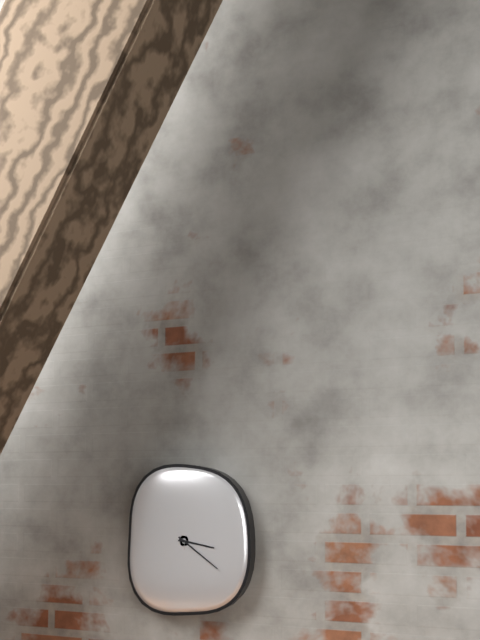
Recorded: **3:21**
